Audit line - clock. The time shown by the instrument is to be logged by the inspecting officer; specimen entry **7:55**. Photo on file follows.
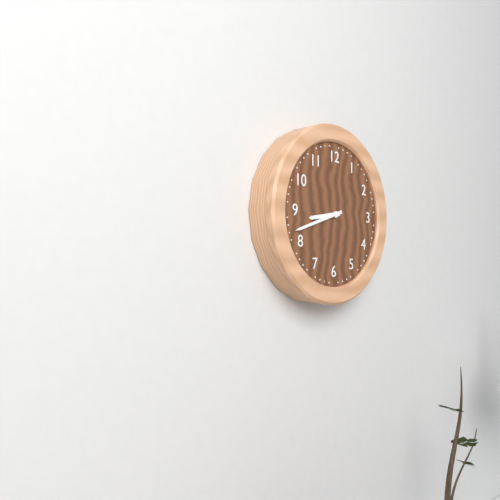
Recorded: **8:42**
